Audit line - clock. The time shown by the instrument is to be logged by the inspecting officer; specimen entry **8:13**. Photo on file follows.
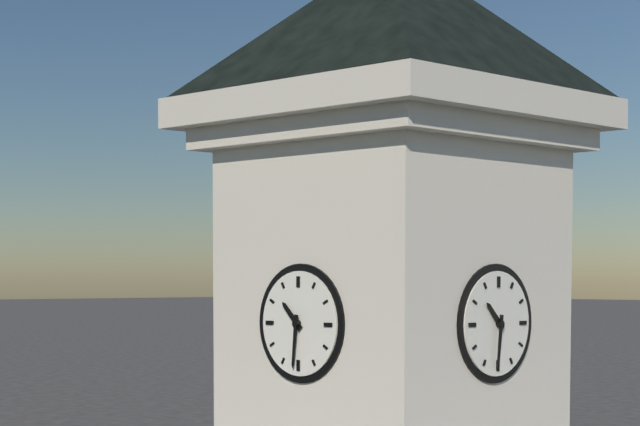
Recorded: **10:31**
